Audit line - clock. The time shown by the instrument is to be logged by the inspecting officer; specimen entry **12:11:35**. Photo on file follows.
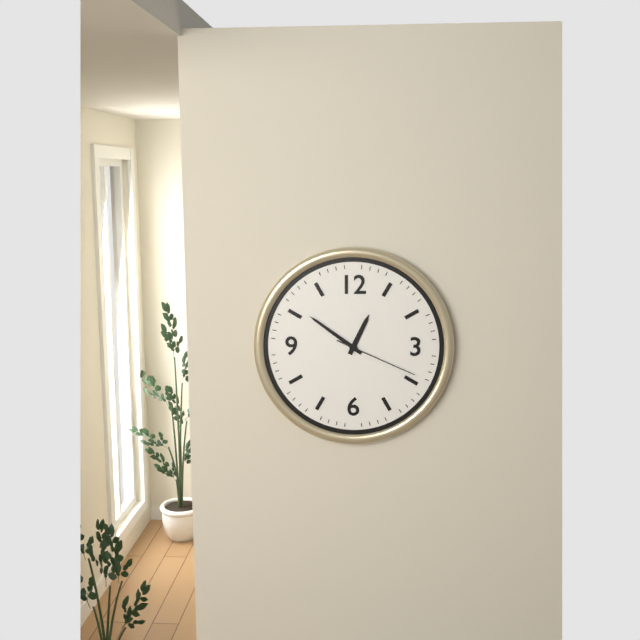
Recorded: **12:51:19**
